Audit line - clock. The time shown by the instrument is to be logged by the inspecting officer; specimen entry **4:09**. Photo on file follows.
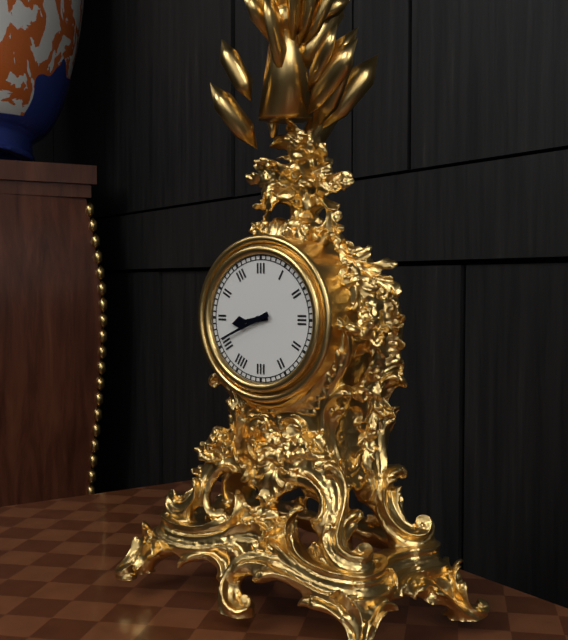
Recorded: **8:41**
